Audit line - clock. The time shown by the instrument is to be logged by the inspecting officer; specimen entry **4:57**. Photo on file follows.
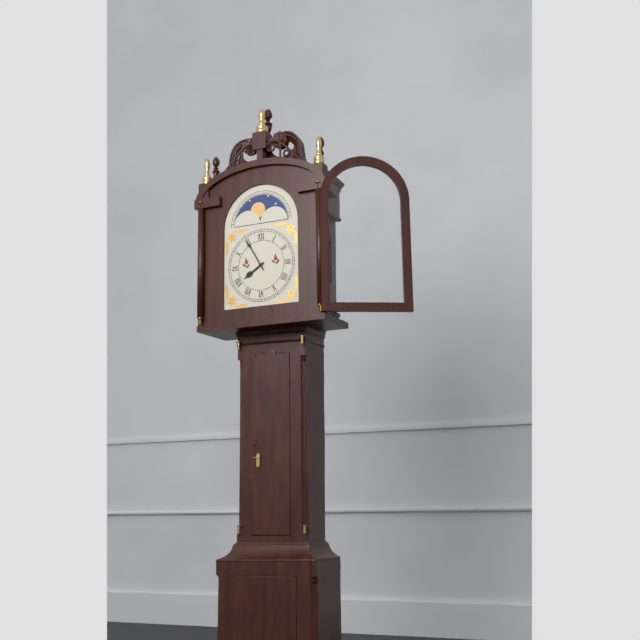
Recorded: **7:55**
